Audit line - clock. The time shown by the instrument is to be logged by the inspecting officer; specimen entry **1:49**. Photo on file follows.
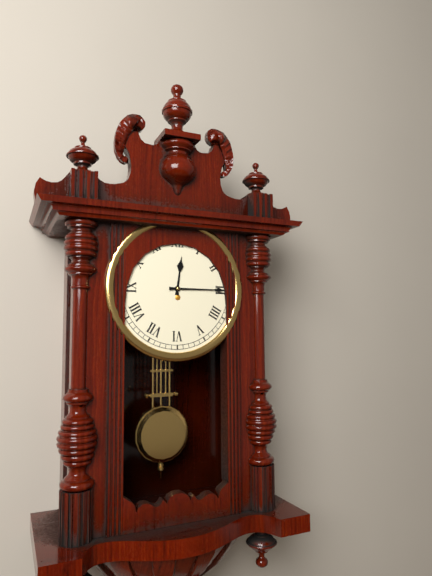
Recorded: **12:15**
